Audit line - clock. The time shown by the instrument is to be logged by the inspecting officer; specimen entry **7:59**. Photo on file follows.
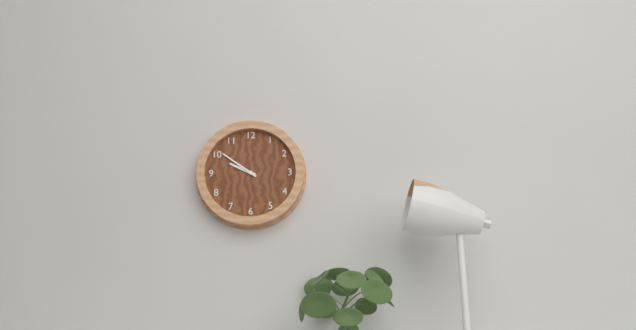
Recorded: **9:51**
